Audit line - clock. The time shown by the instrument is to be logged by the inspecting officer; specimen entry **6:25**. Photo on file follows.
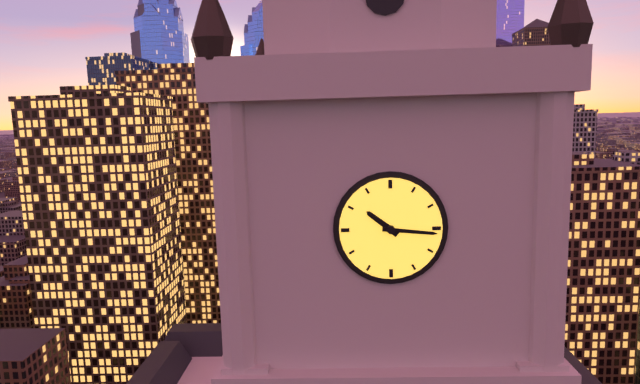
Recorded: **10:16**
